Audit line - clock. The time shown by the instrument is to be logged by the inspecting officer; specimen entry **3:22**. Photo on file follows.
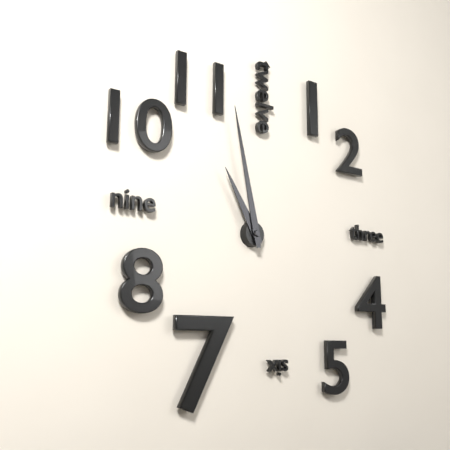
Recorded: **10:58**
